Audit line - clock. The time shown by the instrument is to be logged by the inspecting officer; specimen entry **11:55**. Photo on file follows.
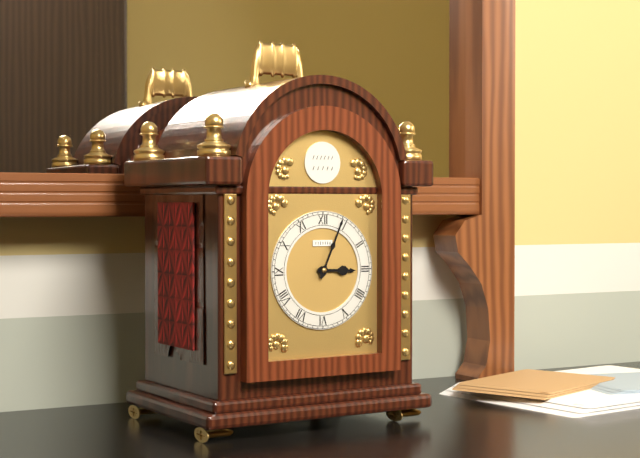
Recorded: **3:04**
